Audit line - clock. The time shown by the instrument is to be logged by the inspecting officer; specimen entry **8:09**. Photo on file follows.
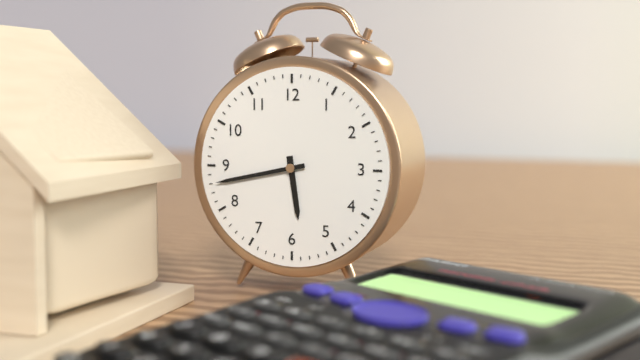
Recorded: **5:43**
